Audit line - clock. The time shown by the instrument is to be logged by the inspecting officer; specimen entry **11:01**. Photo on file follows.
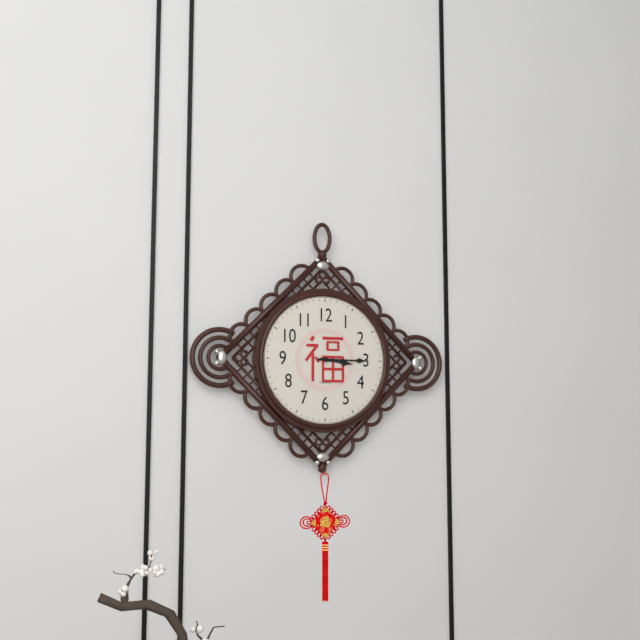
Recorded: **3:15**
